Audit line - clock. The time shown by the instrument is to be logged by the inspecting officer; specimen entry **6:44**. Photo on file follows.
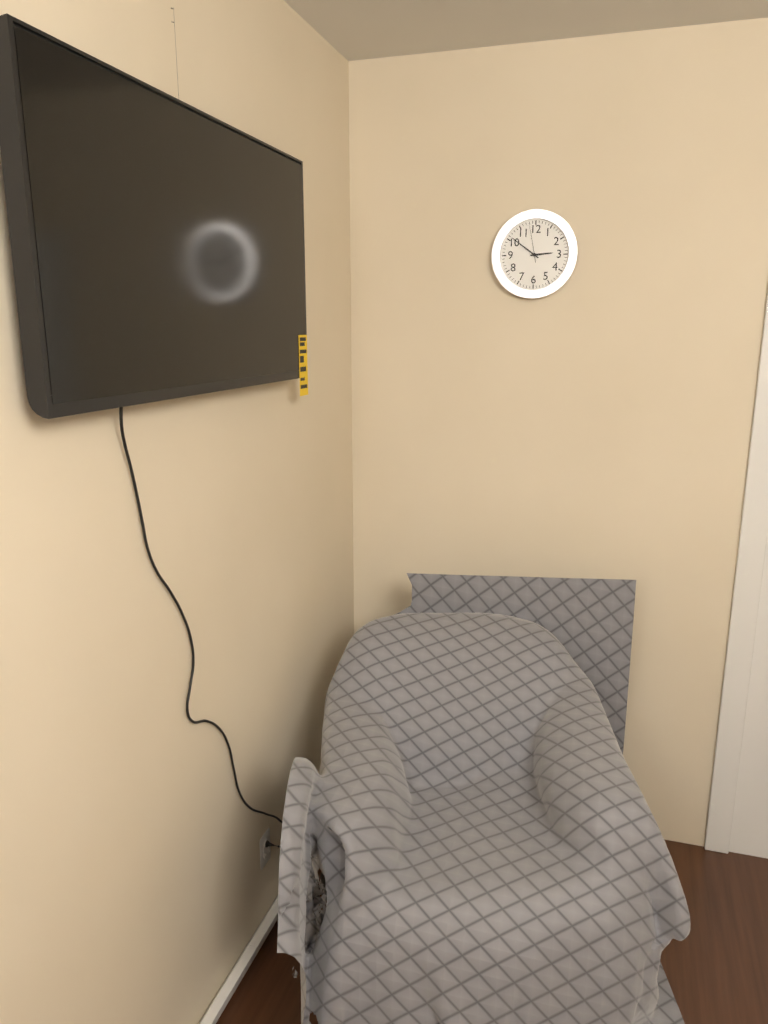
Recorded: **2:51**
